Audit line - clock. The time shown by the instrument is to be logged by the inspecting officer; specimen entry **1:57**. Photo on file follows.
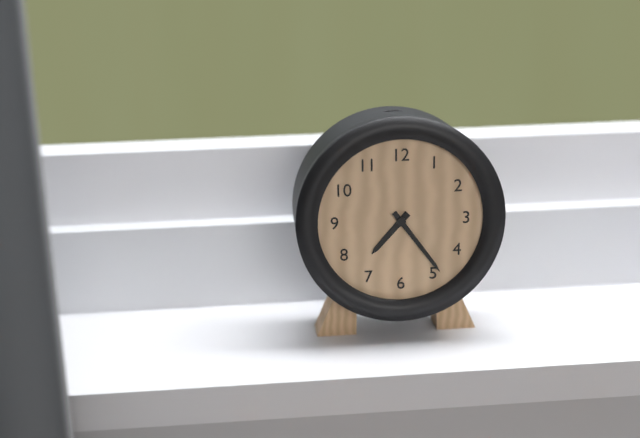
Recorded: **7:24**
